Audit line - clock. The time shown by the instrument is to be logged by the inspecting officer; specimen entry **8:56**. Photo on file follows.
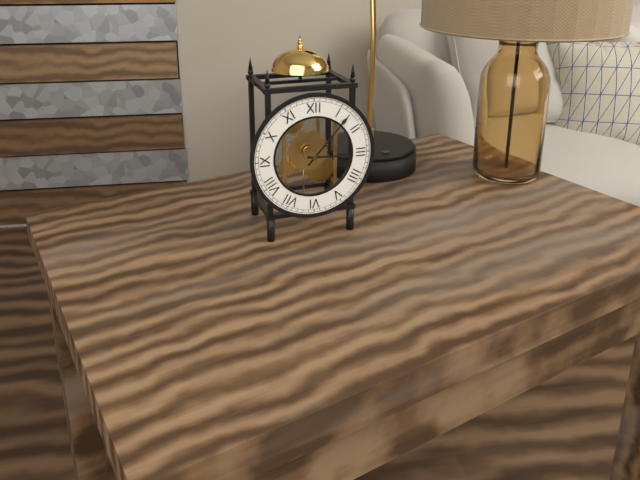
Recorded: **3:07**
